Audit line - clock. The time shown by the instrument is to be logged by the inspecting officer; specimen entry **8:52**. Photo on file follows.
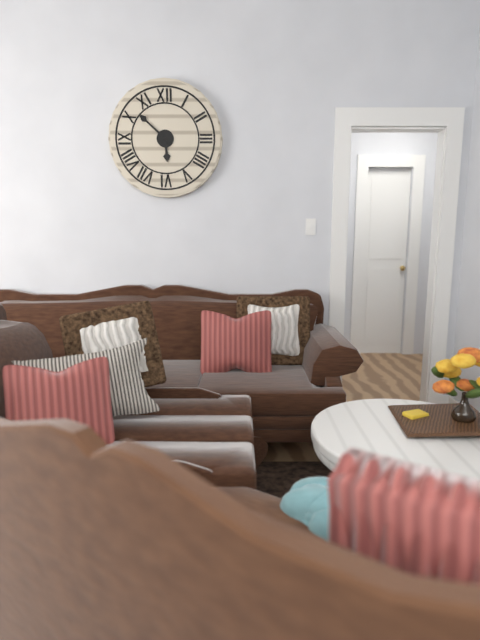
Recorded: **5:52**
